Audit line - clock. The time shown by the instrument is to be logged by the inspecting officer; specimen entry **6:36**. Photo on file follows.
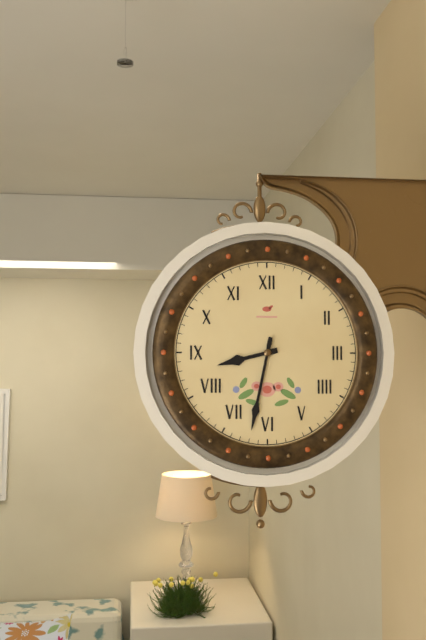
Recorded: **8:32**
